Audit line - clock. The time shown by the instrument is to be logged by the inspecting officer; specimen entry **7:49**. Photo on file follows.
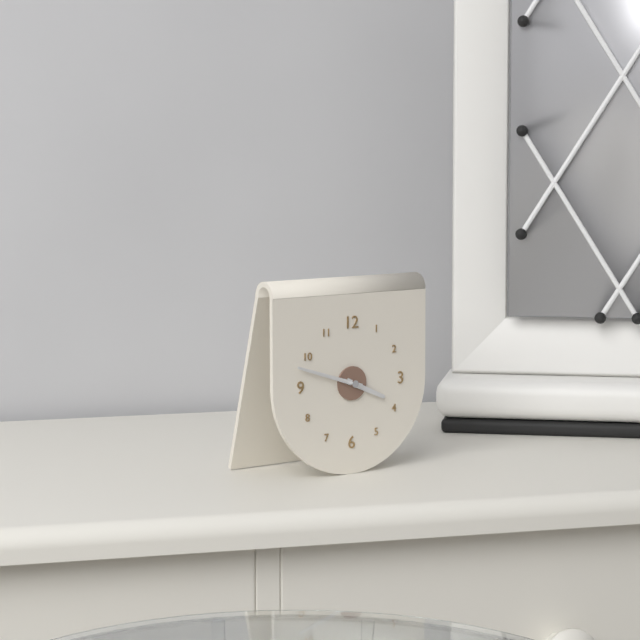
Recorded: **3:48**
